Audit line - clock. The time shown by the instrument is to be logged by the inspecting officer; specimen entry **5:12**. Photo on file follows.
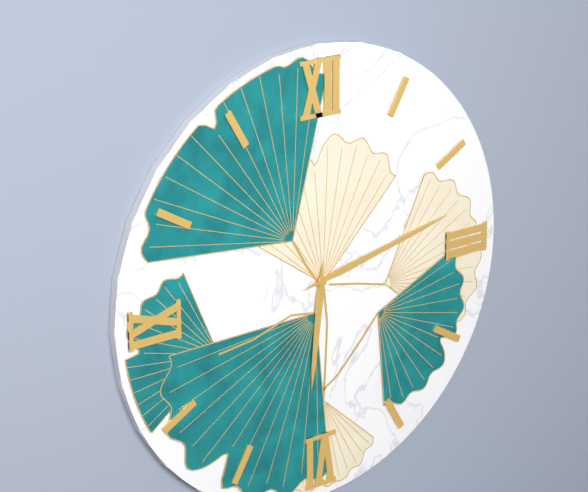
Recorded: **6:13**
